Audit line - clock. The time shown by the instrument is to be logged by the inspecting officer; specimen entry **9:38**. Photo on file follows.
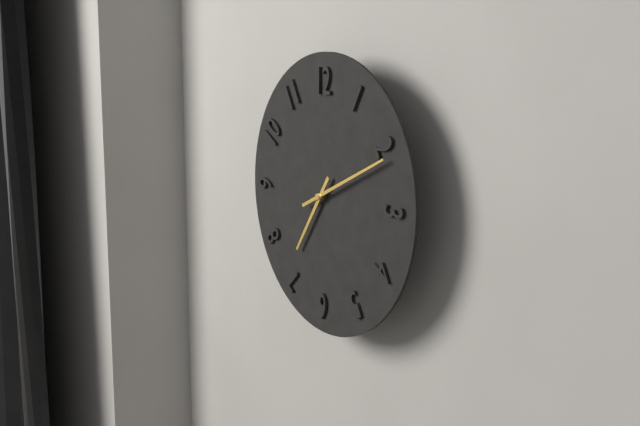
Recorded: **7:11**
